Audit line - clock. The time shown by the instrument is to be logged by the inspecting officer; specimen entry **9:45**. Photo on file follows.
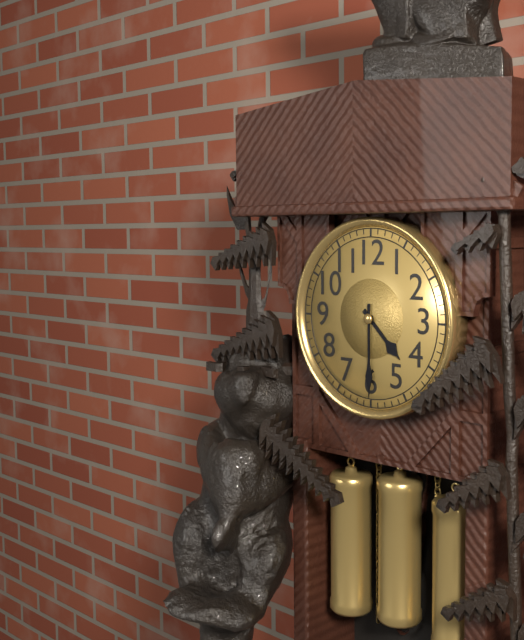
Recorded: **4:30**
